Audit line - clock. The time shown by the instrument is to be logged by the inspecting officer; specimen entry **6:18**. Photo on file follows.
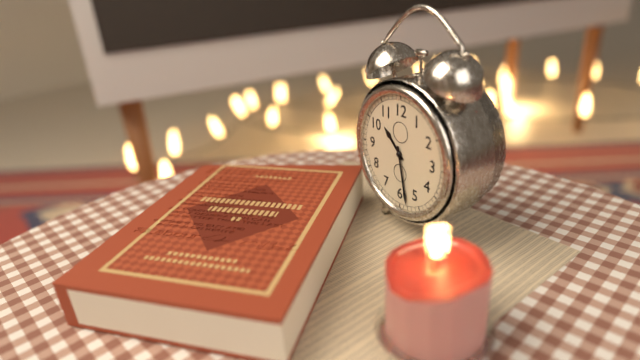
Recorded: **10:28**
